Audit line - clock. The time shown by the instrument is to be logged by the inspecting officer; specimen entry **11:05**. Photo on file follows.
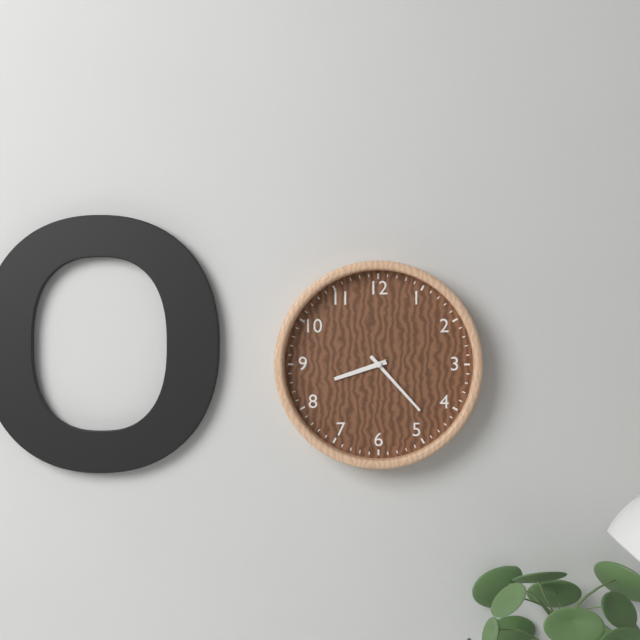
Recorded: **8:23**
